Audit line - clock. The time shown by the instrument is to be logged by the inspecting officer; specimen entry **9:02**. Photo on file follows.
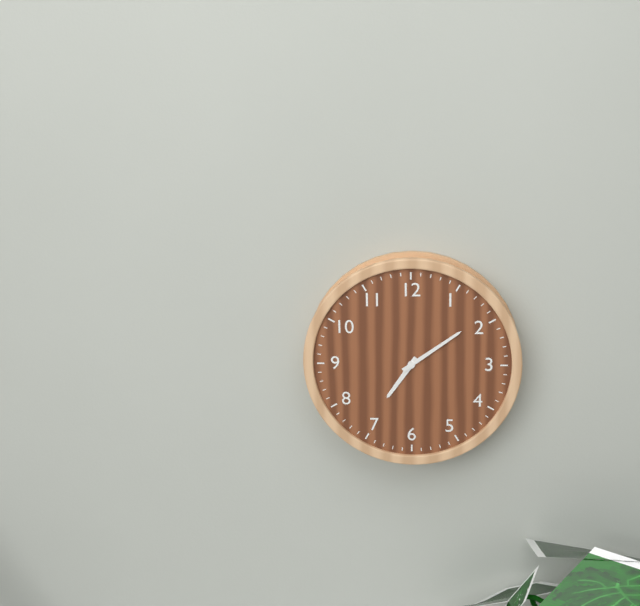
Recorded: **7:09**
